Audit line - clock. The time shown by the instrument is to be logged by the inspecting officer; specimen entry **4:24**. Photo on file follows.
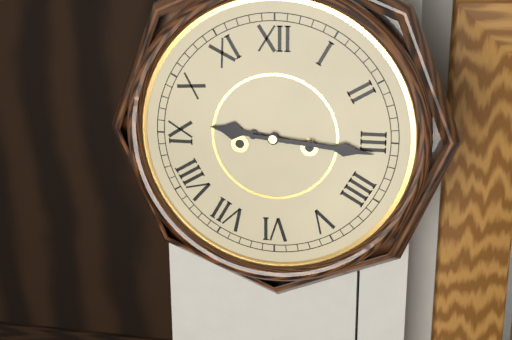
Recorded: **9:16**
